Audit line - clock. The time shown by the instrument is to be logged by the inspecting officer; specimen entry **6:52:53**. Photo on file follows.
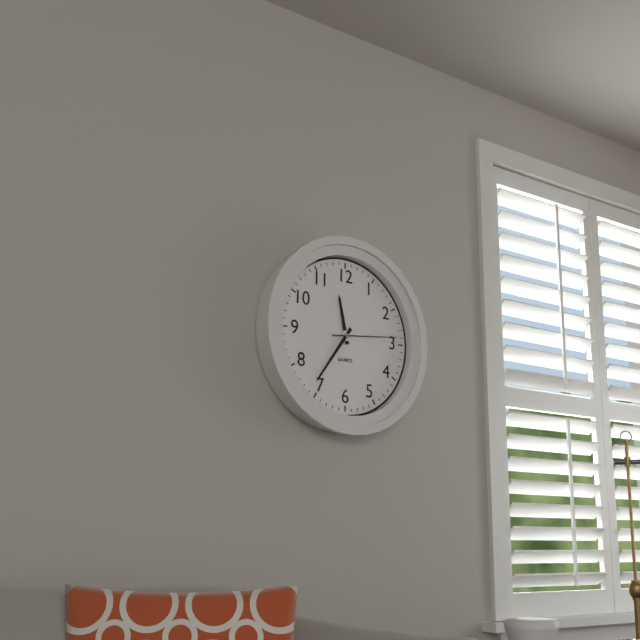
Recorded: **11:36:14**
